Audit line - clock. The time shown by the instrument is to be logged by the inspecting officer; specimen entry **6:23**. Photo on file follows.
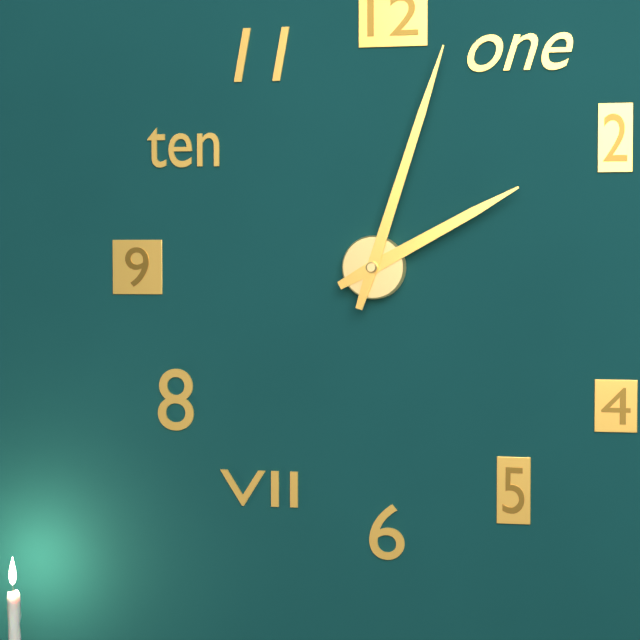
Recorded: **2:03**
